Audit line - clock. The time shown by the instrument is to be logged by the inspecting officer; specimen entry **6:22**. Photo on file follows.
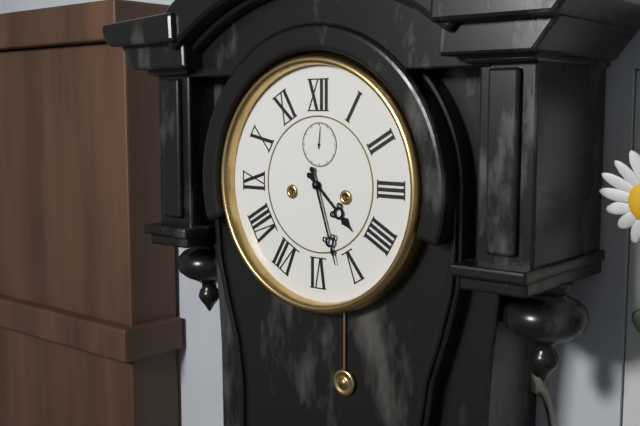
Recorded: **4:27**
